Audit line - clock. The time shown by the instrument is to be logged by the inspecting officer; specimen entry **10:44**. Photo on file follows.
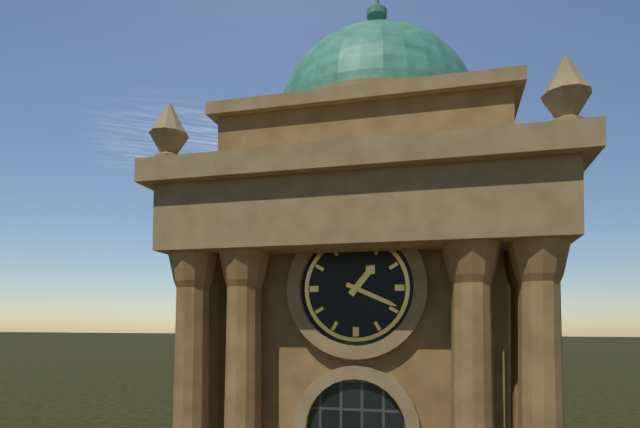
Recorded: **1:19**
